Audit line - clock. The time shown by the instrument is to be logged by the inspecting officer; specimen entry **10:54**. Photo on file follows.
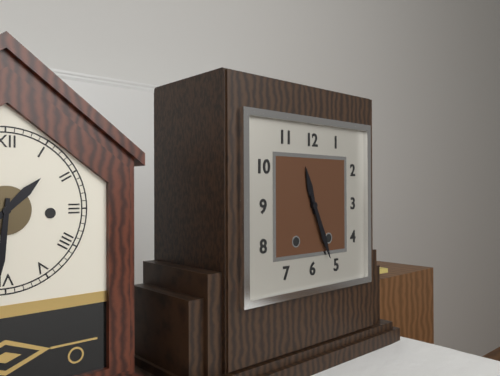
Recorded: **11:26**
